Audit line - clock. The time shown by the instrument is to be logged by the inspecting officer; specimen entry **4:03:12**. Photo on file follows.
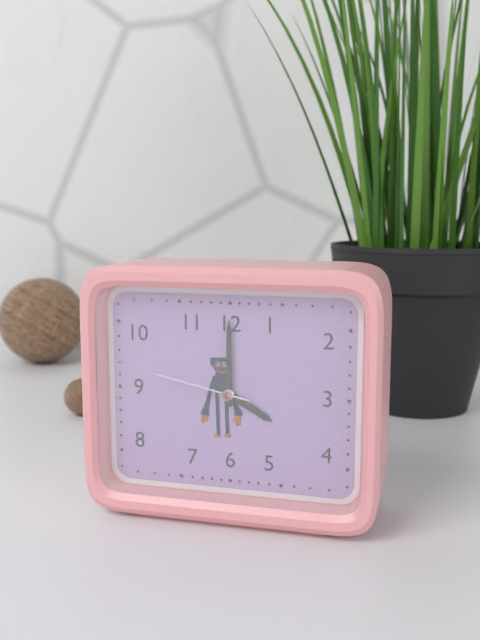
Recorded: **4:00:47**
